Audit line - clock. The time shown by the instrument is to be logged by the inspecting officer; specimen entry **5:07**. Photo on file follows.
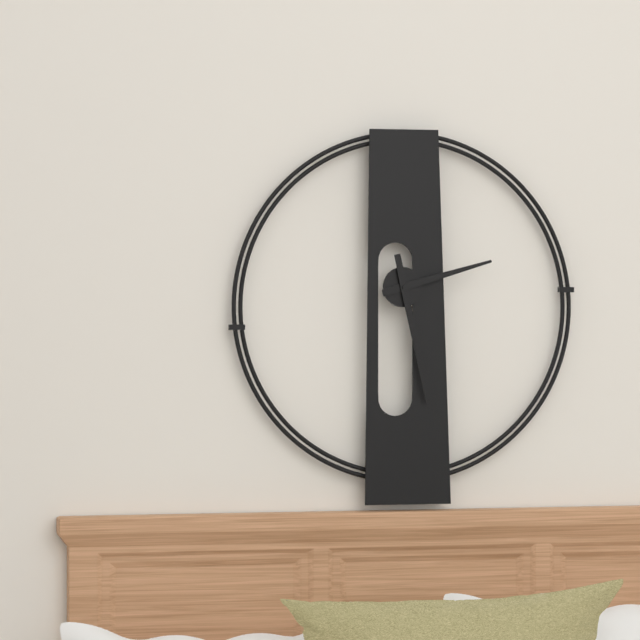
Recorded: **2:28**
